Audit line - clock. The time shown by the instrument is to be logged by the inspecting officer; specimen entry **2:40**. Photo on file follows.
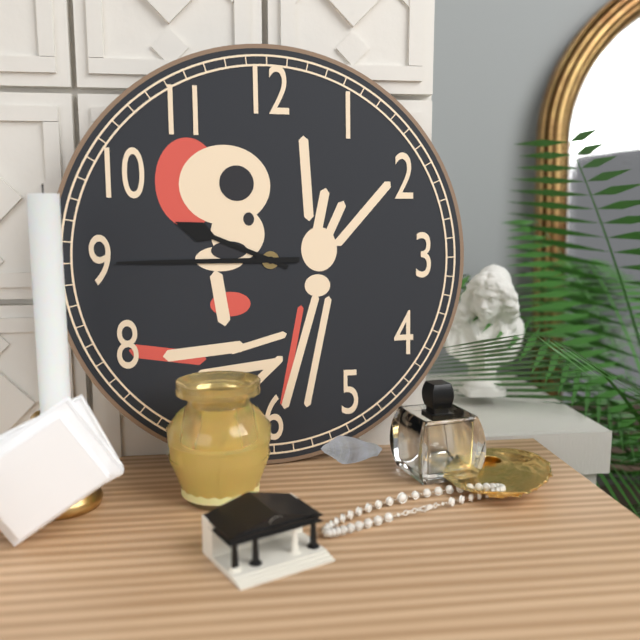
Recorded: **9:45**
